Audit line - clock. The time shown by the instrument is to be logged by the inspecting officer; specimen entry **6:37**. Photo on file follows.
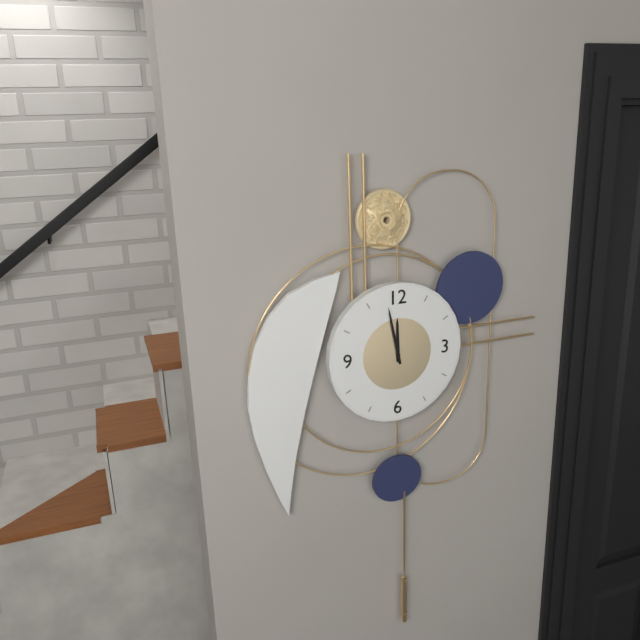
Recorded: **11:58**
